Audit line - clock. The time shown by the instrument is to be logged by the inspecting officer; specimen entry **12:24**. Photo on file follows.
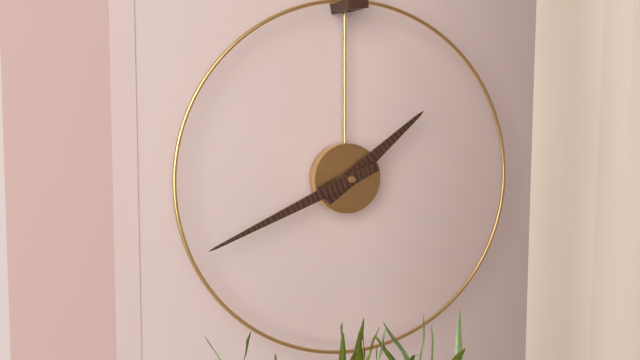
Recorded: **1:41**
